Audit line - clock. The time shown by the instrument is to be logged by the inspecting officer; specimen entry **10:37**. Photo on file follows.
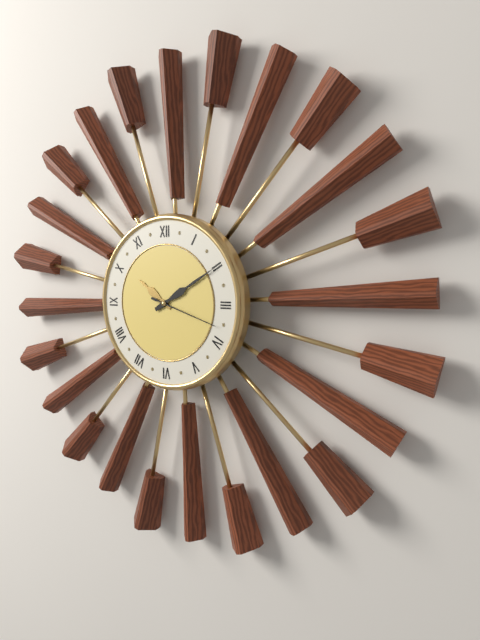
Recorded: **10:10**
